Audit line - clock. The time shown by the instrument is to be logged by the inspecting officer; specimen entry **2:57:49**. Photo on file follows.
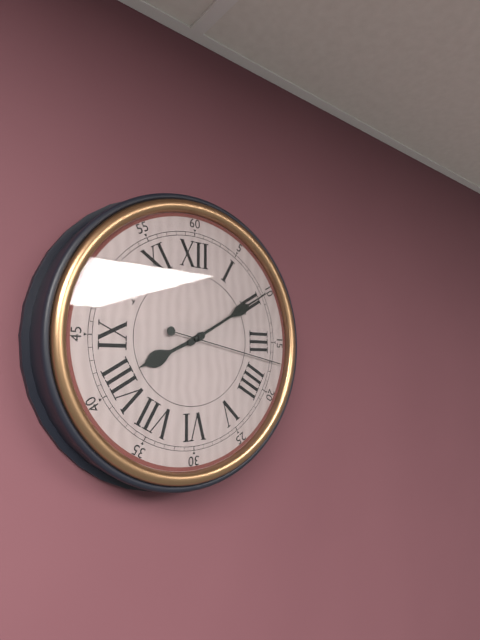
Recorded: **8:10:17**
